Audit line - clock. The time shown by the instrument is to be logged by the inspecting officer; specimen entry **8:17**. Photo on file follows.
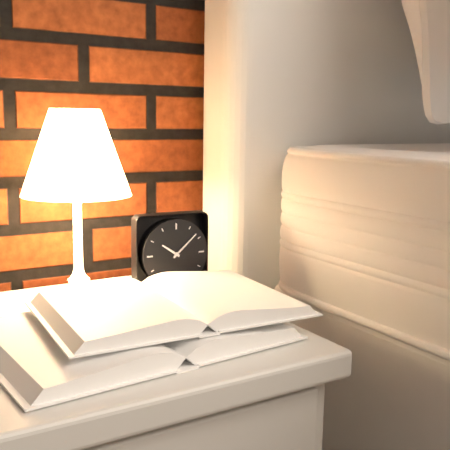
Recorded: **10:08**
